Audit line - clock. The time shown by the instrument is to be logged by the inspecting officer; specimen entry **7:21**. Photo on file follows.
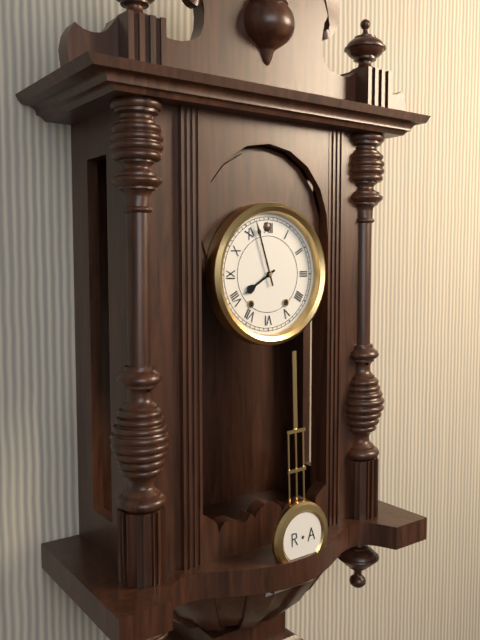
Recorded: **7:57**
